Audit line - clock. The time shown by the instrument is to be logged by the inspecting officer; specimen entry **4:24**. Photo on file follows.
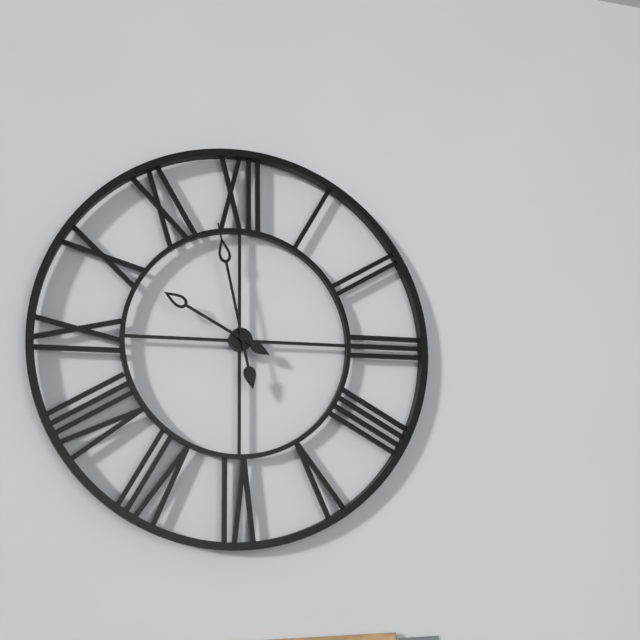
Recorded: **9:58**
